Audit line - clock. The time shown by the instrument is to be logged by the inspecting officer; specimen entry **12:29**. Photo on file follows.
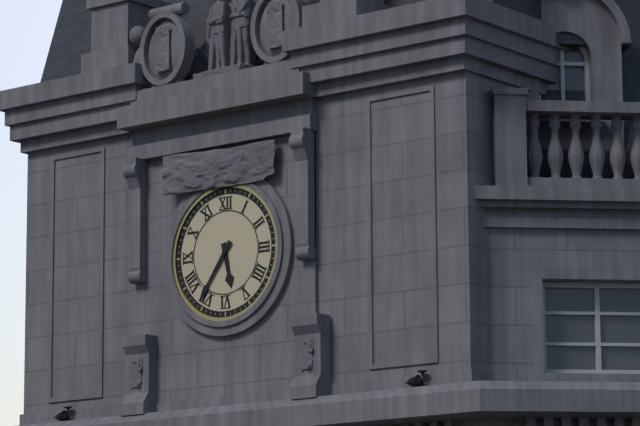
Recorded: **5:36**
